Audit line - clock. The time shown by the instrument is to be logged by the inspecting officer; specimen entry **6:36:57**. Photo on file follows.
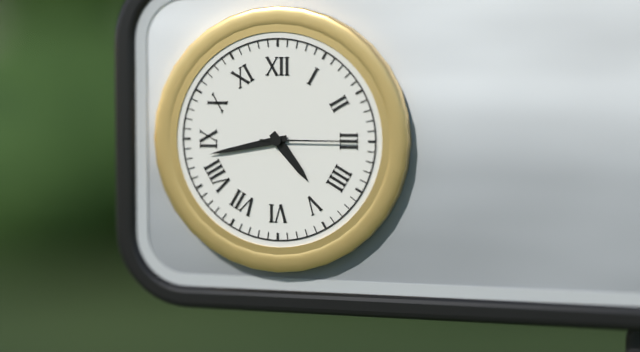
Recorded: **4:43:15**
